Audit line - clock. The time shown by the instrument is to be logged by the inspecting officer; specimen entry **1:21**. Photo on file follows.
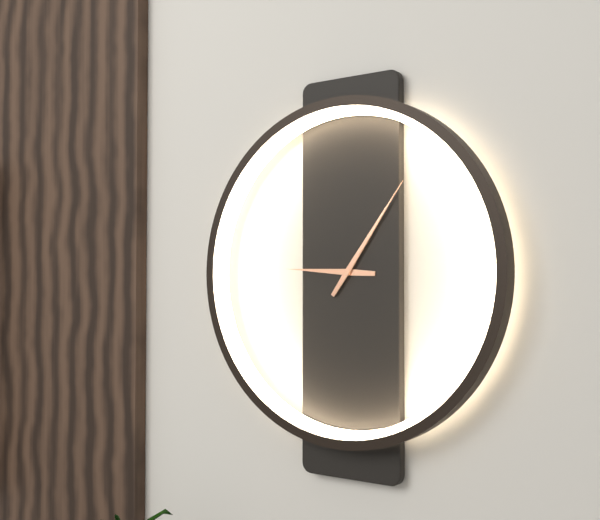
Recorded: **9:06**
